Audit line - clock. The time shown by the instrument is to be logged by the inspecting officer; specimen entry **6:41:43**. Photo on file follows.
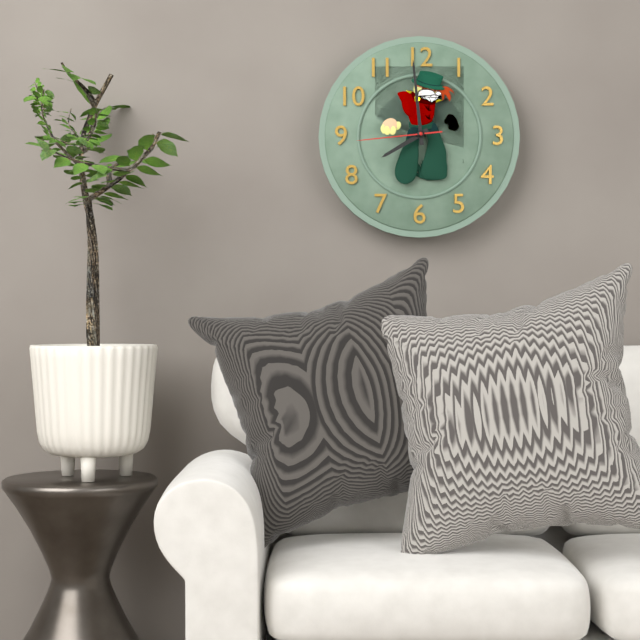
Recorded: **7:59:44**
